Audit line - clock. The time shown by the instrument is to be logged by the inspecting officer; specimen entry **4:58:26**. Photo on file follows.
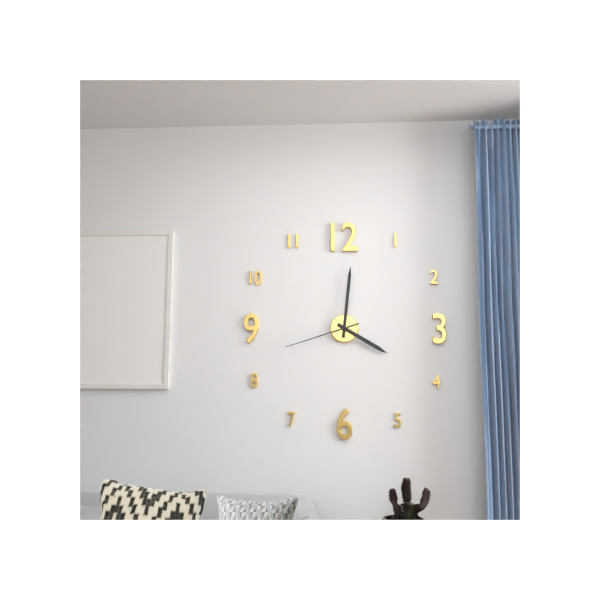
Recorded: **4:01:42**
